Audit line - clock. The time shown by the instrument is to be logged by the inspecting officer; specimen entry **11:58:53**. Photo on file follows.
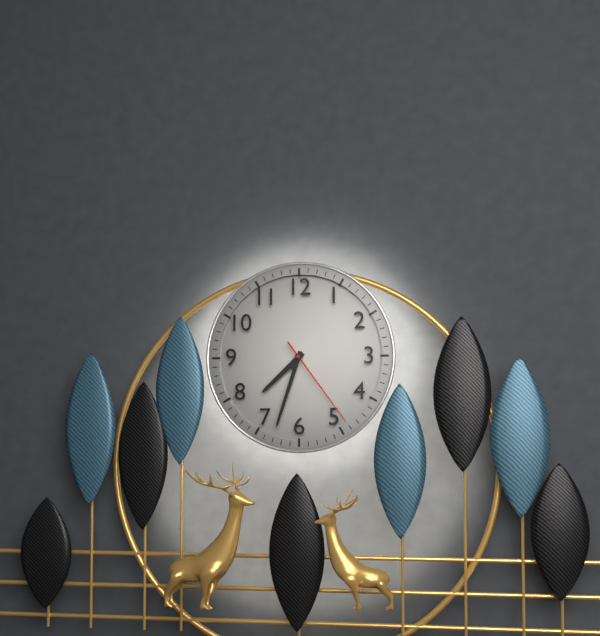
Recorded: **7:33:24**
